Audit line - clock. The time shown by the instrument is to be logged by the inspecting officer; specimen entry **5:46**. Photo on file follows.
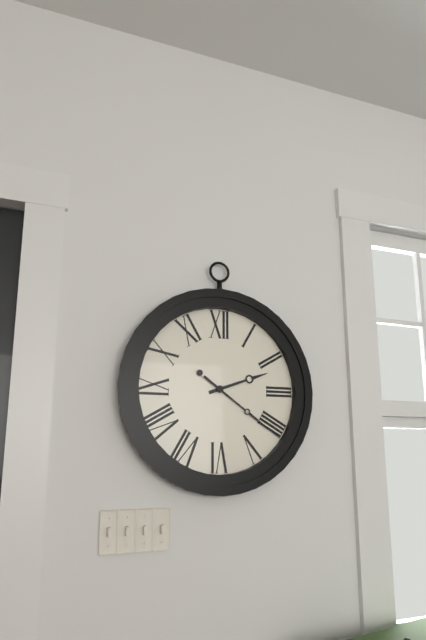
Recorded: **2:21**
